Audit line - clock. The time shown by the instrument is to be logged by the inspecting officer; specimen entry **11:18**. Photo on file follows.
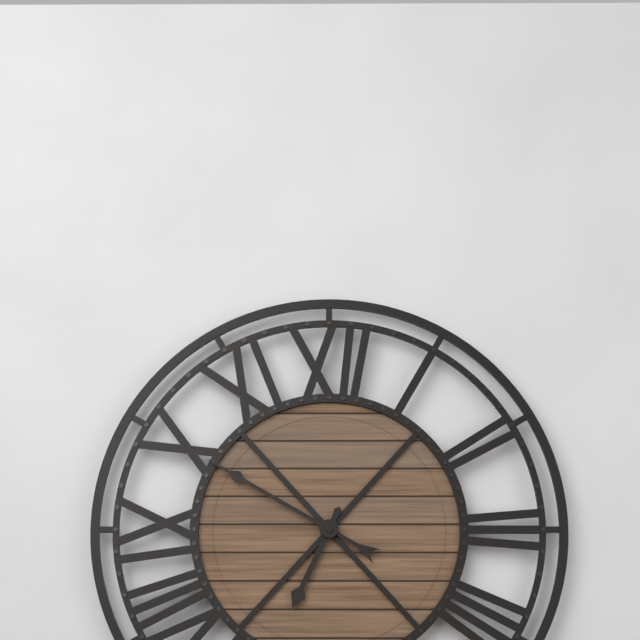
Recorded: **6:50**
